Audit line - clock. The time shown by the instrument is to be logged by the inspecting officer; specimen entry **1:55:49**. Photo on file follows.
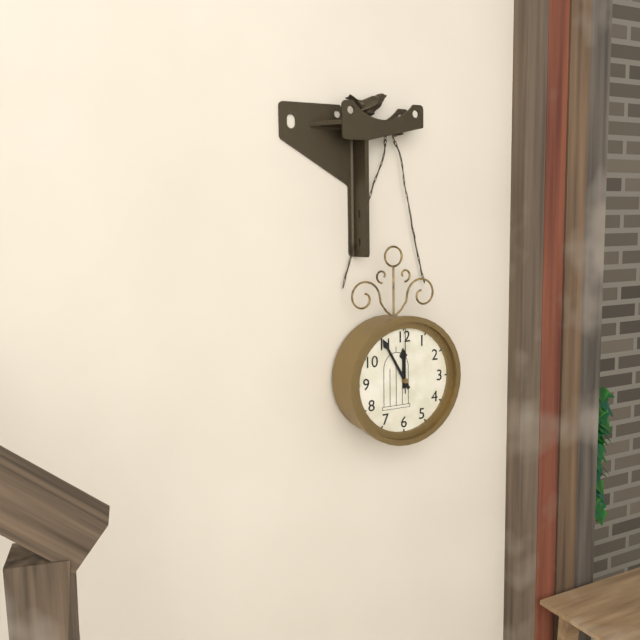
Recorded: **11:55:00**
